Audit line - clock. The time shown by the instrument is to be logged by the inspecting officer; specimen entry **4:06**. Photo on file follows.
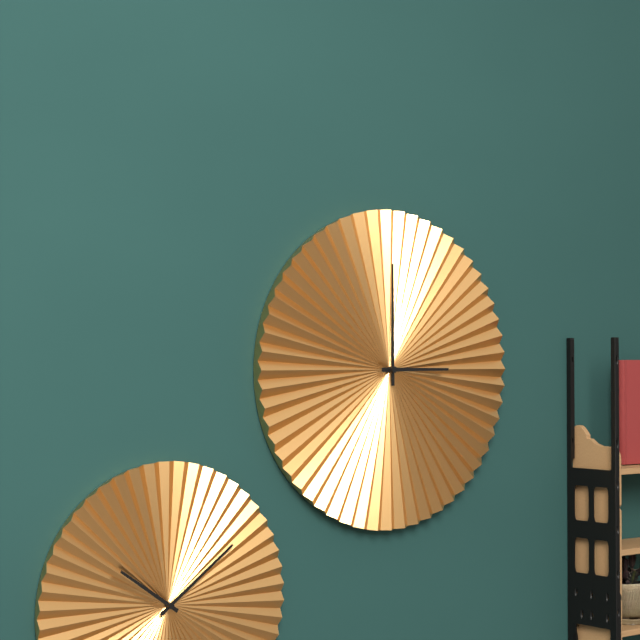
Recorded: **3:00**
